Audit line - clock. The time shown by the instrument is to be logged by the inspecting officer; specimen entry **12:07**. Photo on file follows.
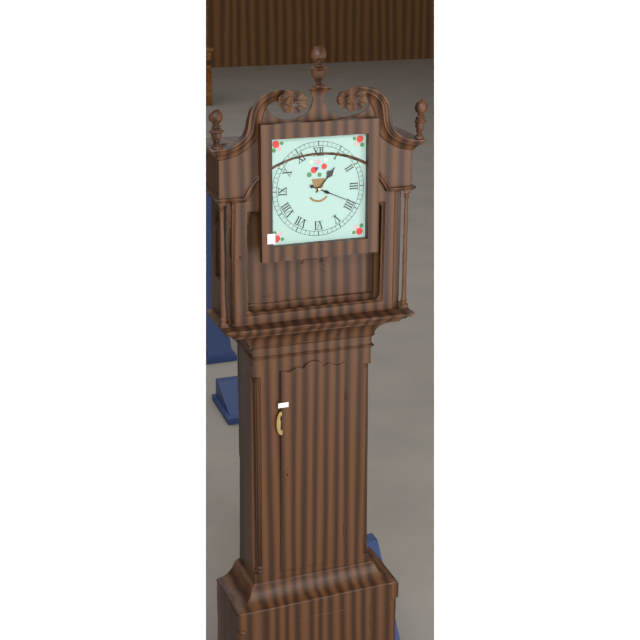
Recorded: **1:19**
